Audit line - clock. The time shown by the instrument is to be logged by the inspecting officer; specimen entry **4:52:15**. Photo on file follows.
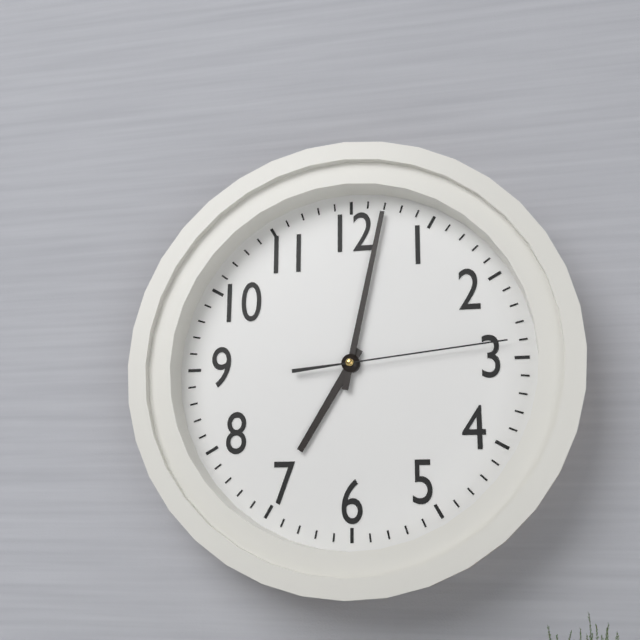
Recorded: **7:02:14**
